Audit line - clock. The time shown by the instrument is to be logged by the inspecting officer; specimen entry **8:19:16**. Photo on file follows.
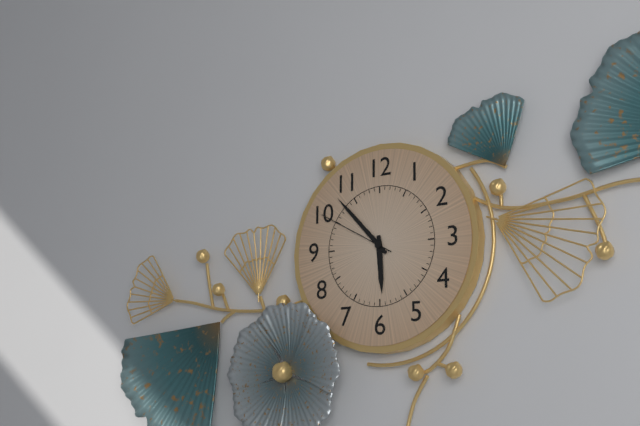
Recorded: **5:53:50**
